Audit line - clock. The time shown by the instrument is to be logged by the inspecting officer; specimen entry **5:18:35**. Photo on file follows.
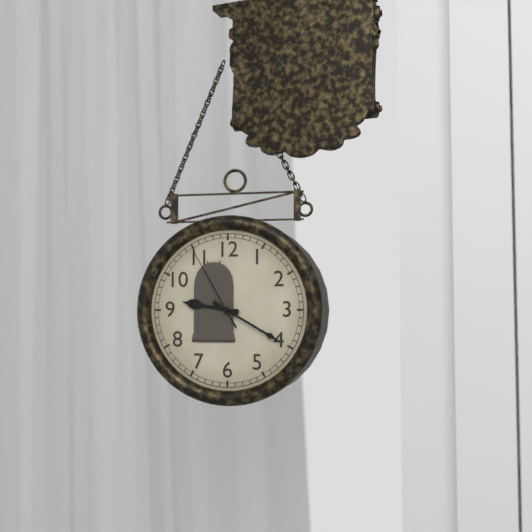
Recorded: **9:20:55**
